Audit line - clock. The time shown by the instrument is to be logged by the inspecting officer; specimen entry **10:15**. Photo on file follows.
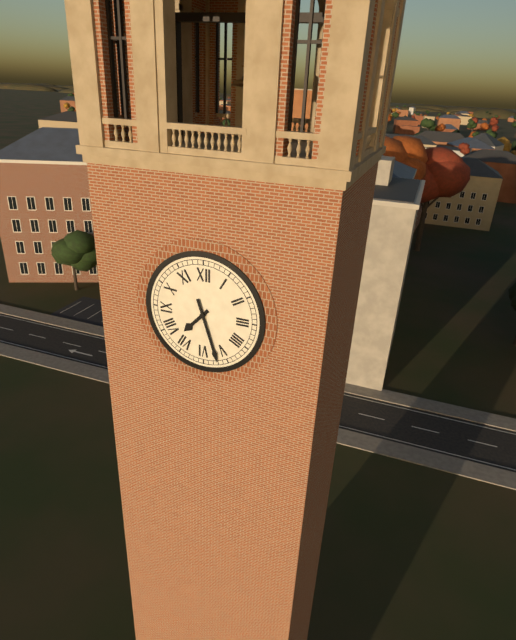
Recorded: **7:27**
